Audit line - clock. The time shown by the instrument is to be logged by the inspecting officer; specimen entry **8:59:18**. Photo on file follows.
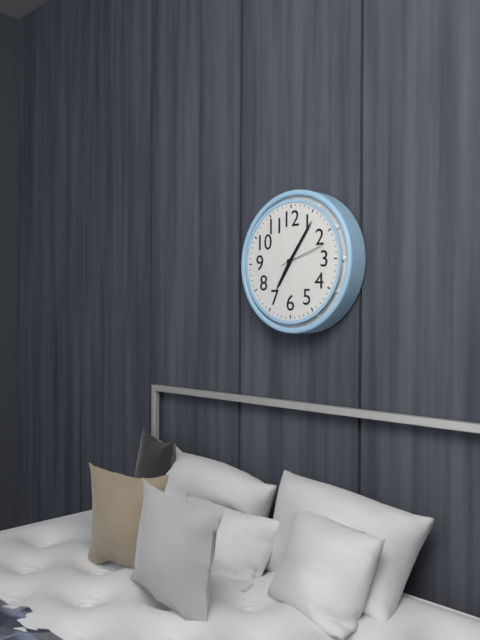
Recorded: **7:06:12**
